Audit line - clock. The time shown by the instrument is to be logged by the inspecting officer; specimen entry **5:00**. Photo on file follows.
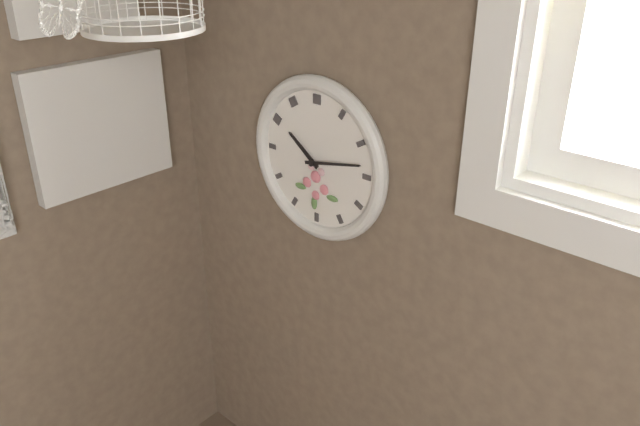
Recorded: **10:13**
